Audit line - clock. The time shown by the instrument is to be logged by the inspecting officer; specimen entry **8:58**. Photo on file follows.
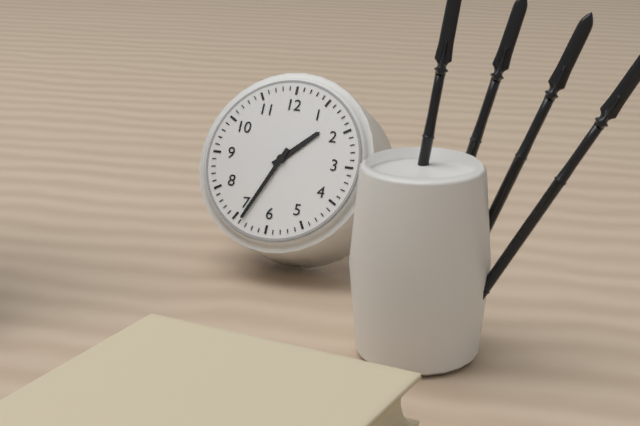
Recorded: **1:34**
